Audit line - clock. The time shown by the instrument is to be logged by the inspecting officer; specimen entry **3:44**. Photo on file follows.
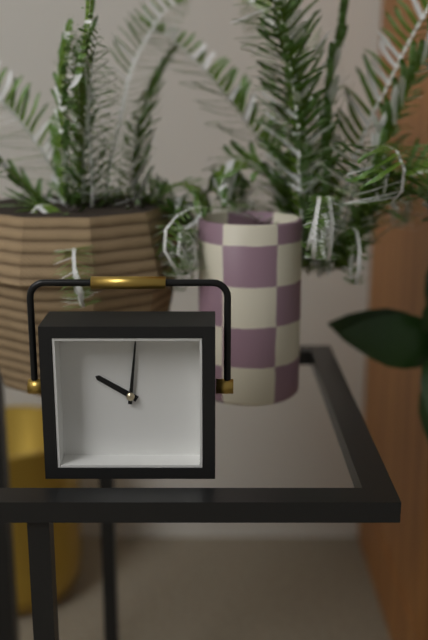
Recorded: **10:01**
